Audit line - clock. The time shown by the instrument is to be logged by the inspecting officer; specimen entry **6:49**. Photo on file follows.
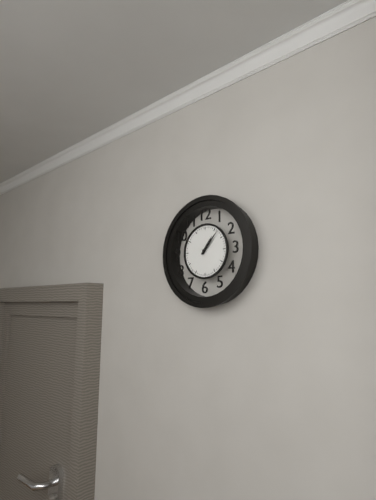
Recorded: **1:07**
